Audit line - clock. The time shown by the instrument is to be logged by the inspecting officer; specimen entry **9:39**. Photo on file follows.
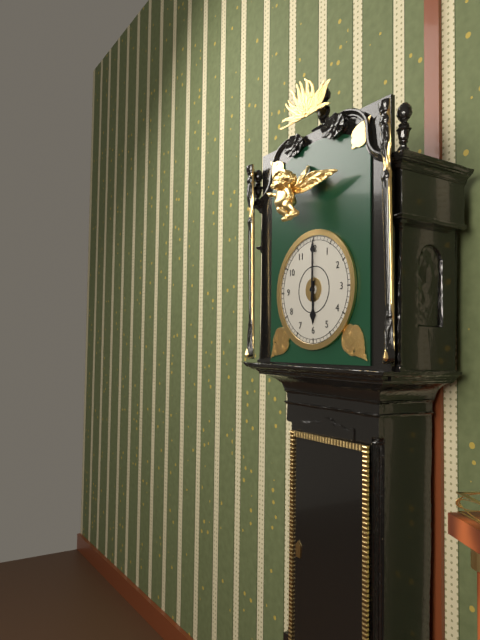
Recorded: **6:00**
